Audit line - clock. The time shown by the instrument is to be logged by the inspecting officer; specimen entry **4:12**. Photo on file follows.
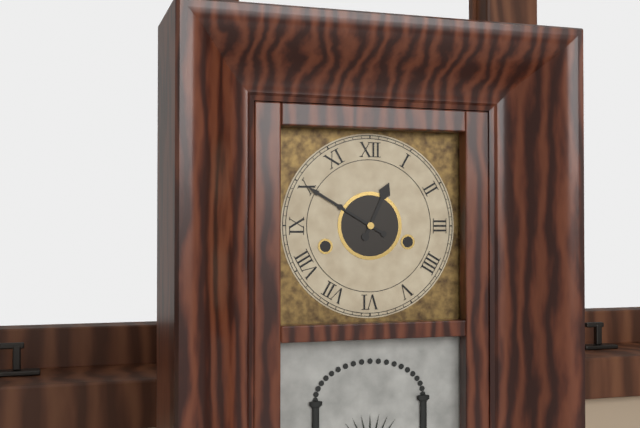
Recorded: **12:50**
